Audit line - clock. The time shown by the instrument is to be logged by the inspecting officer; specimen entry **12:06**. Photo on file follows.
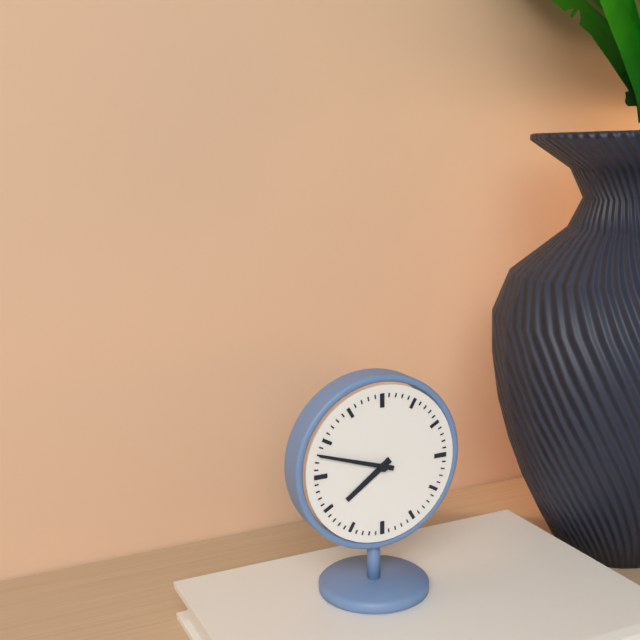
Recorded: **7:48**
